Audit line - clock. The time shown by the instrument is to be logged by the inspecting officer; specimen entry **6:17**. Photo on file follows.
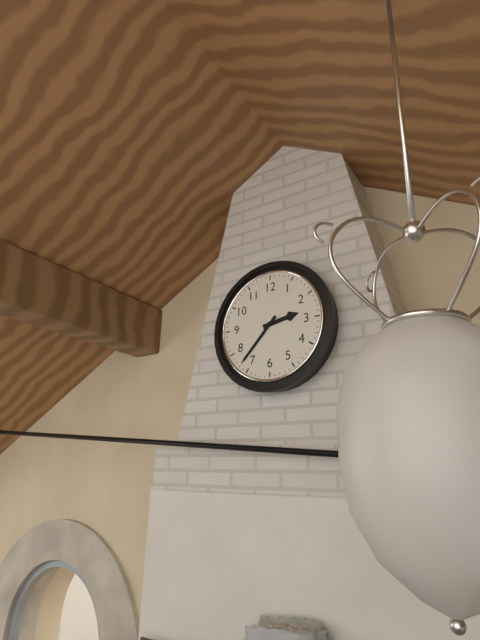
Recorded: **2:37**
